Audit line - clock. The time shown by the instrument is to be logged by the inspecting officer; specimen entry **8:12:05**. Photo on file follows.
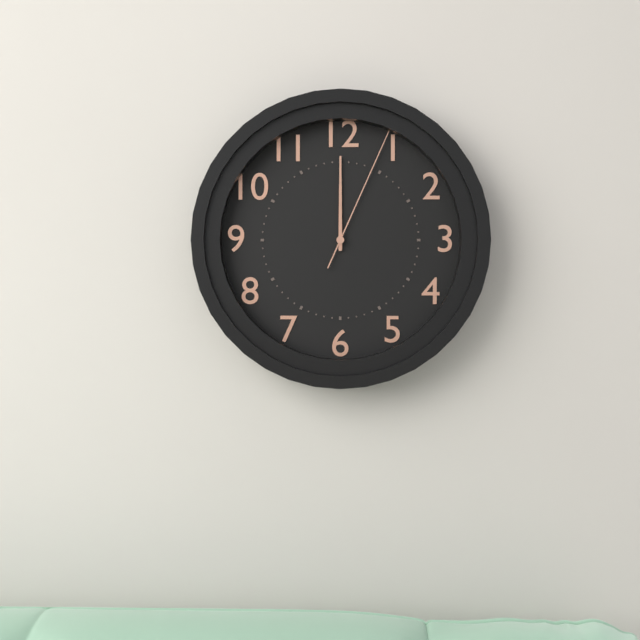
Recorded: **12:00:04**
